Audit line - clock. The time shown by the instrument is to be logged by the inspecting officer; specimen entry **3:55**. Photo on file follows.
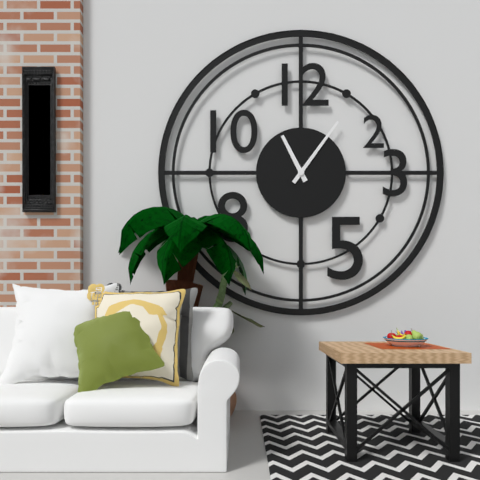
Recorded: **11:06**
